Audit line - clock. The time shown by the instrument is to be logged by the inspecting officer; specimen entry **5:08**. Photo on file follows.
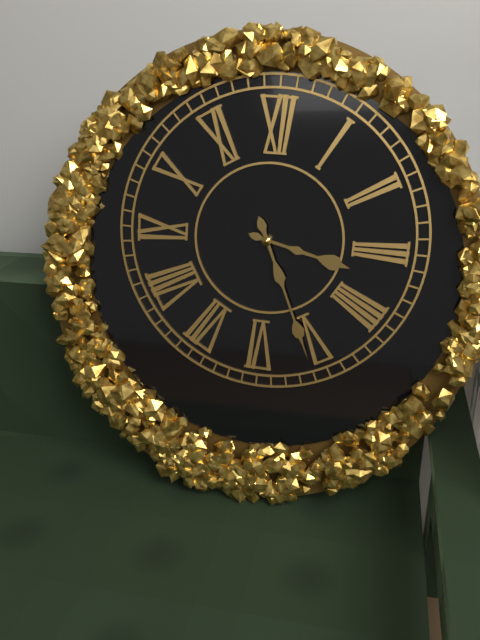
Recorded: **3:26**
